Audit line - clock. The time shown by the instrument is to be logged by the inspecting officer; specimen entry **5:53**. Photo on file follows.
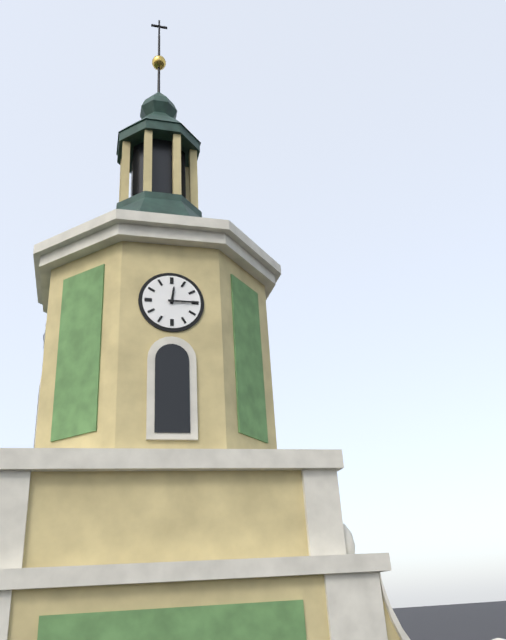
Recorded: **12:15**
